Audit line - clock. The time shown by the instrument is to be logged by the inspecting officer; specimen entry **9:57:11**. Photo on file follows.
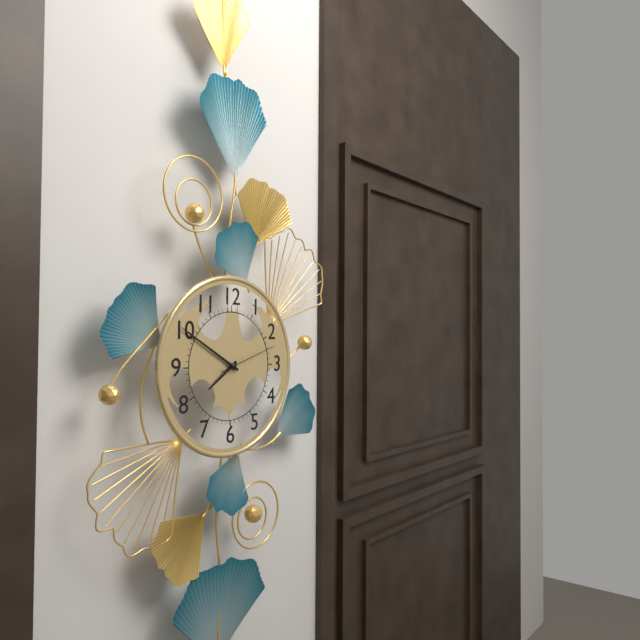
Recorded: **7:50:12**
